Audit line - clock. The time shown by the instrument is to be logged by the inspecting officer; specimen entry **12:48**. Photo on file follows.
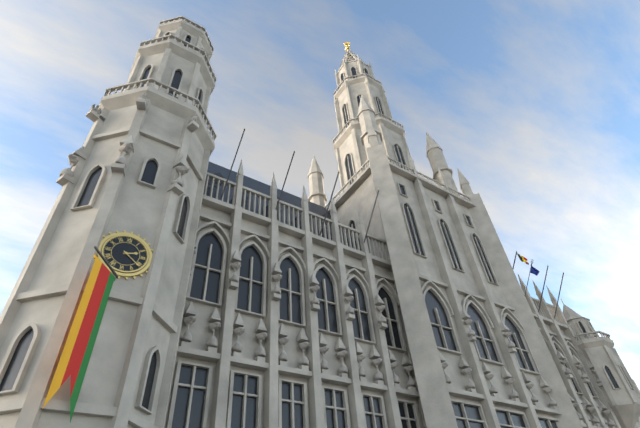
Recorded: **2:21**
